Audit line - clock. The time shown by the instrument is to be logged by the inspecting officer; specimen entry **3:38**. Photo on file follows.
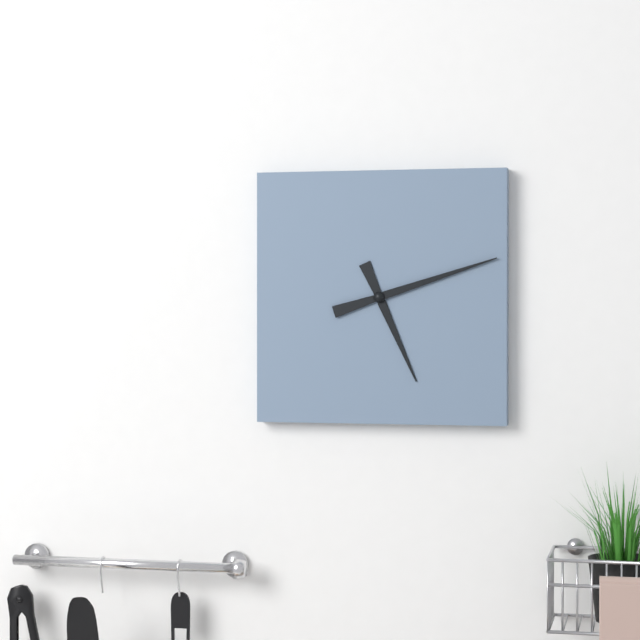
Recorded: **5:12**
